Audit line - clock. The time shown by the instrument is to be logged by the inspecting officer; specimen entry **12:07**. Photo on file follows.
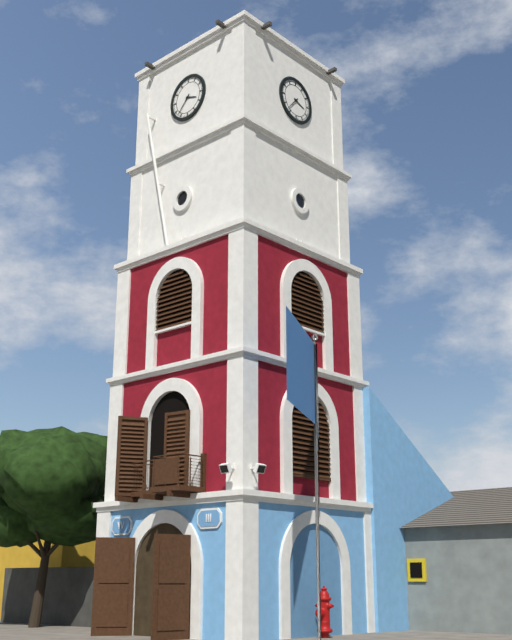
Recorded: **3:37**
